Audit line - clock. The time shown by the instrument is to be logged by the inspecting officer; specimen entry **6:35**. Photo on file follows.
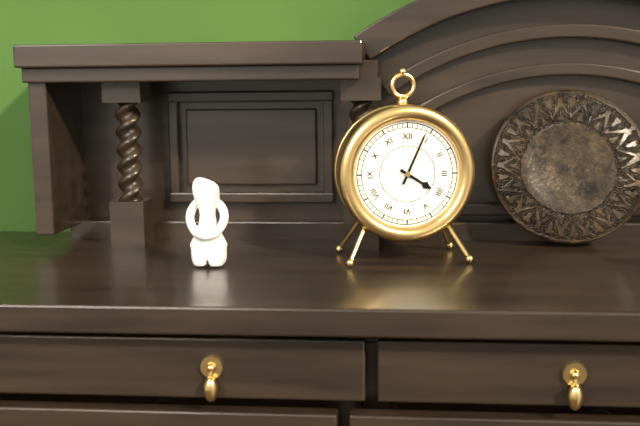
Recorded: **4:04**
